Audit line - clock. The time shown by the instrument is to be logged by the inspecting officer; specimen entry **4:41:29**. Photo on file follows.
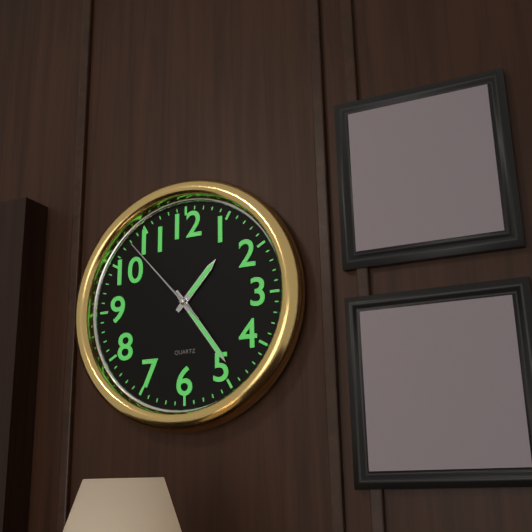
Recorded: **1:24:53**
